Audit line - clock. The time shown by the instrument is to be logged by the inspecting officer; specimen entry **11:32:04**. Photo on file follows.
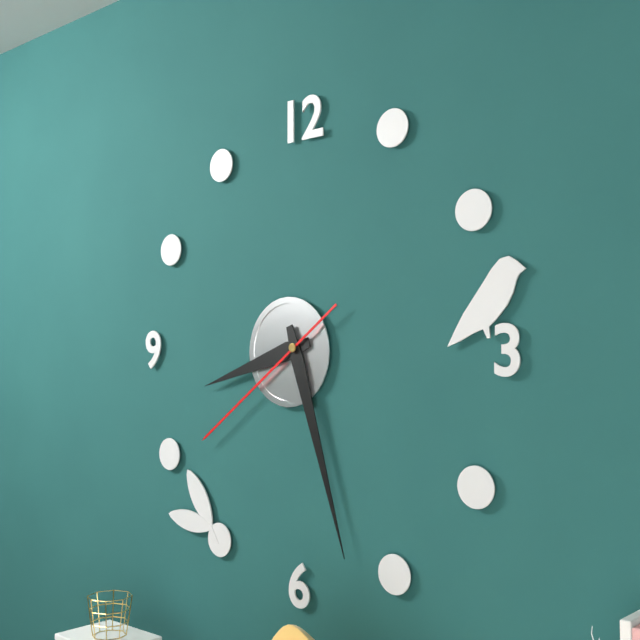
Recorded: **8:27:39**
